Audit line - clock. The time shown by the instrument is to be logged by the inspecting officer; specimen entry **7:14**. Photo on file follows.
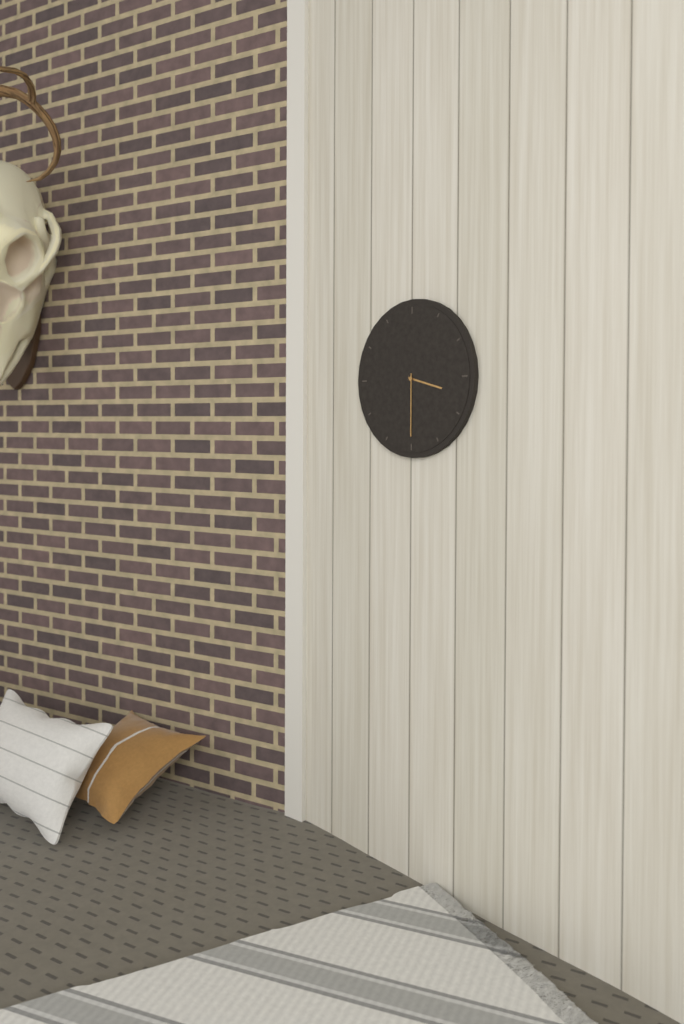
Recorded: **3:30**
